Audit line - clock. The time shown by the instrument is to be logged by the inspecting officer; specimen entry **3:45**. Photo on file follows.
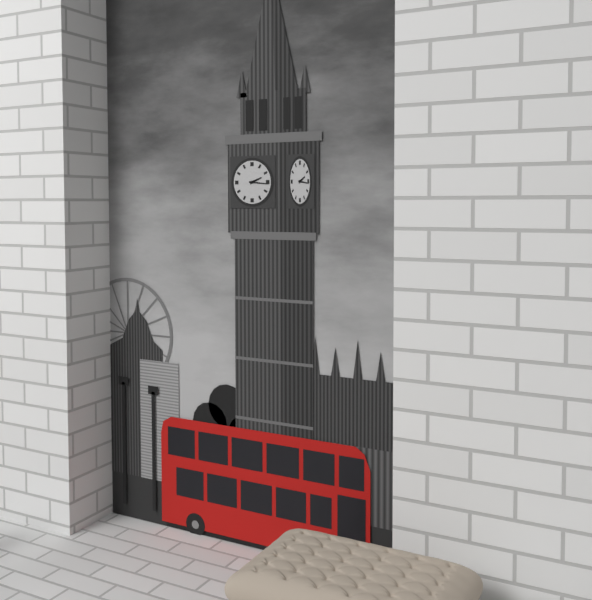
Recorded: **2:16**
